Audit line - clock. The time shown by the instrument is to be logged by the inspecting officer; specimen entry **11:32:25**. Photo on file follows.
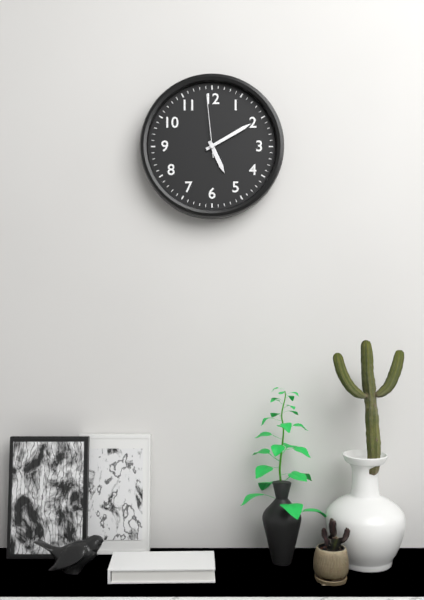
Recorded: **5:10:59**
